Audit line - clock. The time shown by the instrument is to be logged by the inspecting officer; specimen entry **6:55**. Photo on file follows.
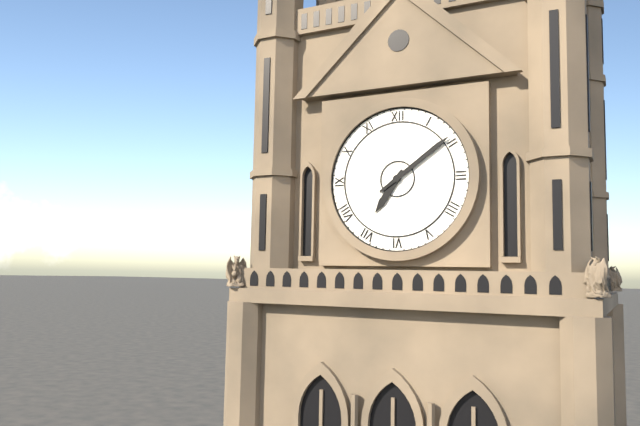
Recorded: **7:09**
